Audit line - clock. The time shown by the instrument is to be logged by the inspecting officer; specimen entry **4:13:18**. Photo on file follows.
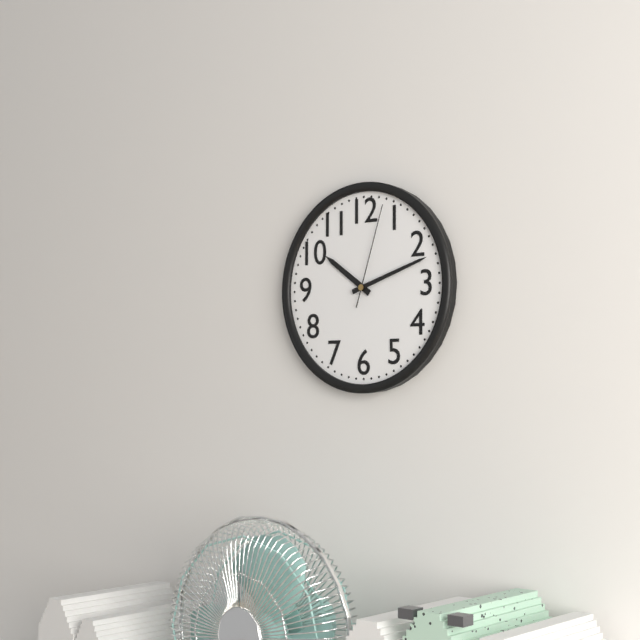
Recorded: **10:12:03**
